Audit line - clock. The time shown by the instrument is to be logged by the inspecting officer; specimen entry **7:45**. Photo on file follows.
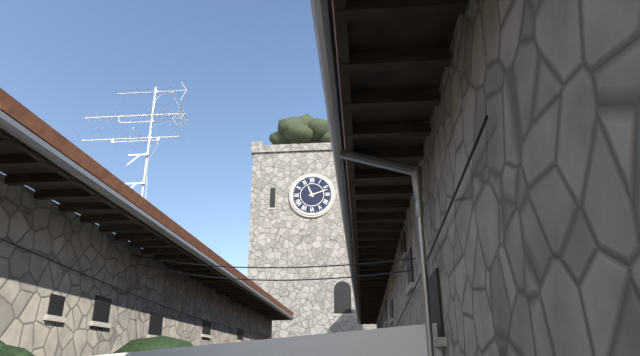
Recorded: **11:12**
